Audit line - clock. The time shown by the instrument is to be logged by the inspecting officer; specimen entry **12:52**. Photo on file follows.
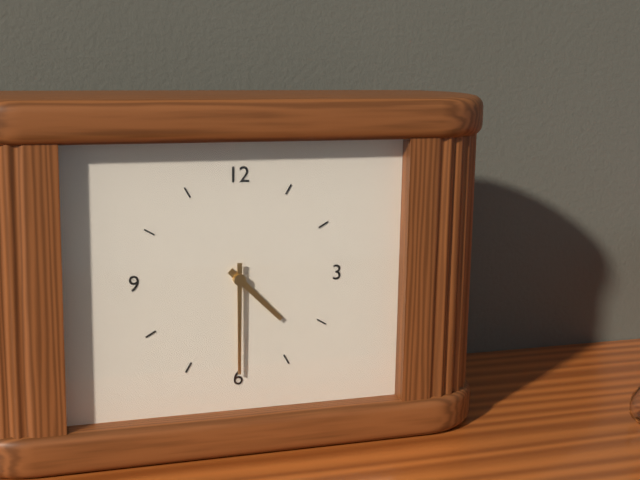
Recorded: **4:30**
